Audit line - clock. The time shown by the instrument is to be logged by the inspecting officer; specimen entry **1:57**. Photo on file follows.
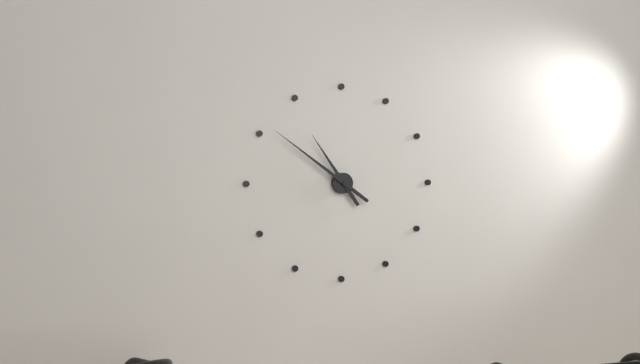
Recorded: **10:51**
